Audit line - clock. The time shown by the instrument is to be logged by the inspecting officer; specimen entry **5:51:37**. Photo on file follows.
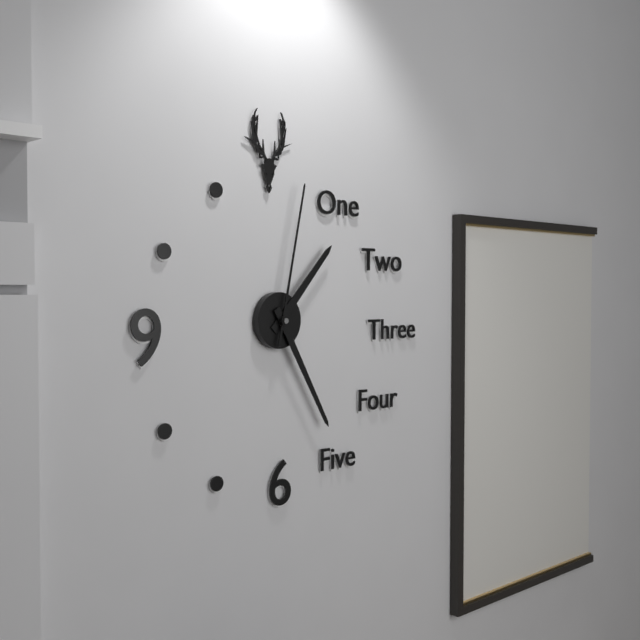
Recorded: **1:25:02**
